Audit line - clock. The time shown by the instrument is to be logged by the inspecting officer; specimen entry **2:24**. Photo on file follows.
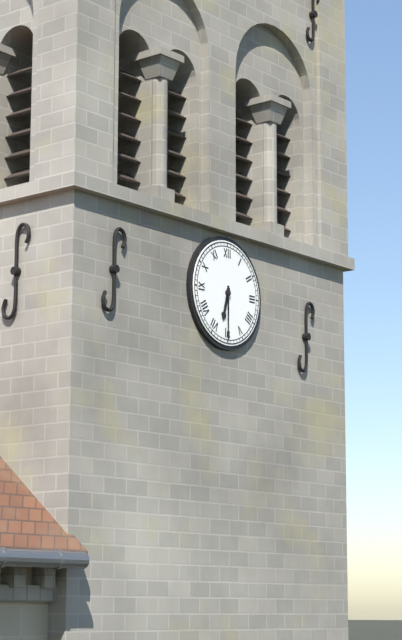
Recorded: **6:30**
